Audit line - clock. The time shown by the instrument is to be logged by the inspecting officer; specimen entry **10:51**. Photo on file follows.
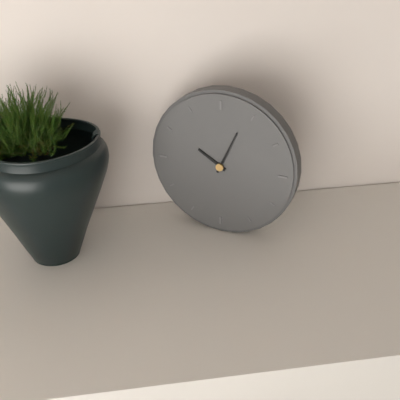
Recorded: **10:04**
